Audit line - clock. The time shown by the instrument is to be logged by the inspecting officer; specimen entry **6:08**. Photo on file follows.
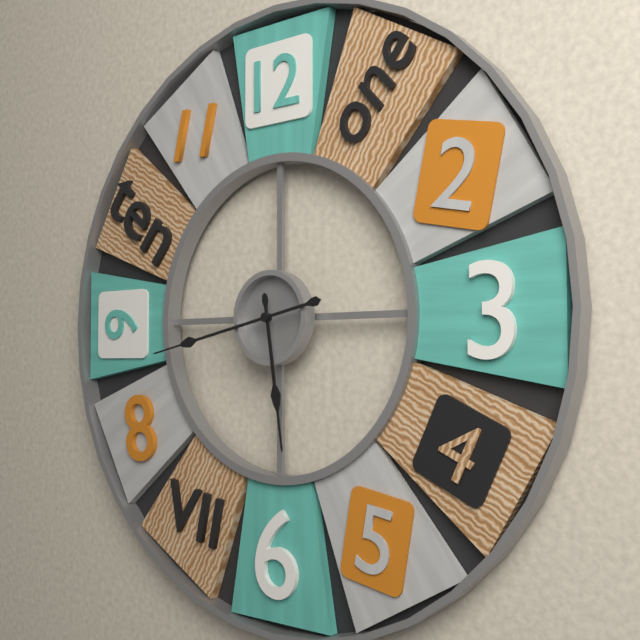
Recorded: **5:43**
